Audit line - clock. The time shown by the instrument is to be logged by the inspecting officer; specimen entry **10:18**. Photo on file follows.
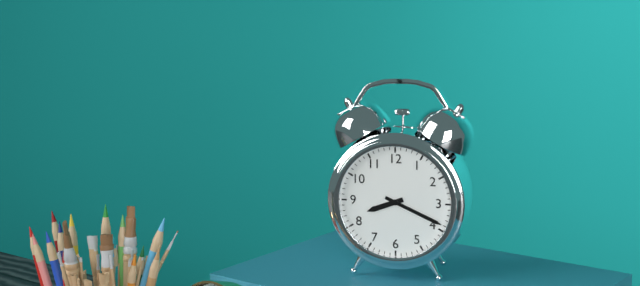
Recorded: **8:19**
